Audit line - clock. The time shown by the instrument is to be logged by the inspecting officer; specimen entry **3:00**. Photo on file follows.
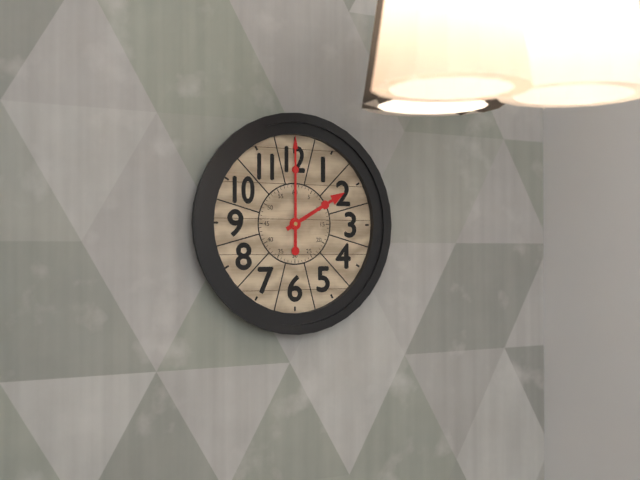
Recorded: **2:00**
